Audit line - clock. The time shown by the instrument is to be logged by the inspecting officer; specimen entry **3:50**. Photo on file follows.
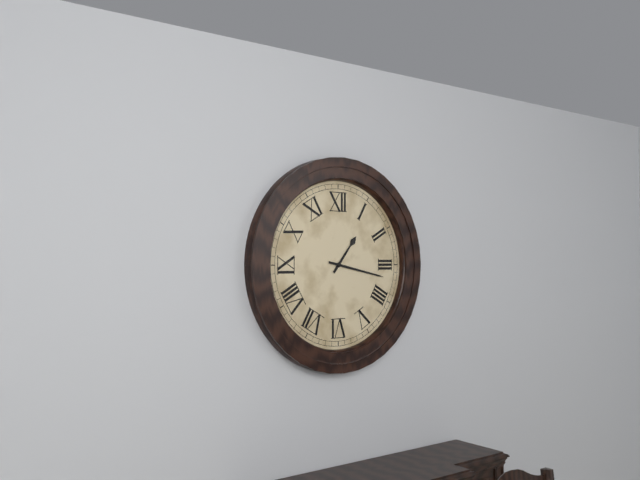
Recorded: **1:17**
